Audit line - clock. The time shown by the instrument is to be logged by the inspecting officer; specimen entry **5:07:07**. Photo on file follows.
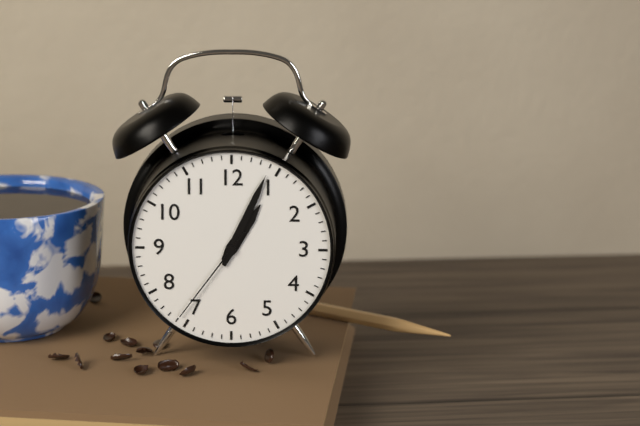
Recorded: **1:04:36**
